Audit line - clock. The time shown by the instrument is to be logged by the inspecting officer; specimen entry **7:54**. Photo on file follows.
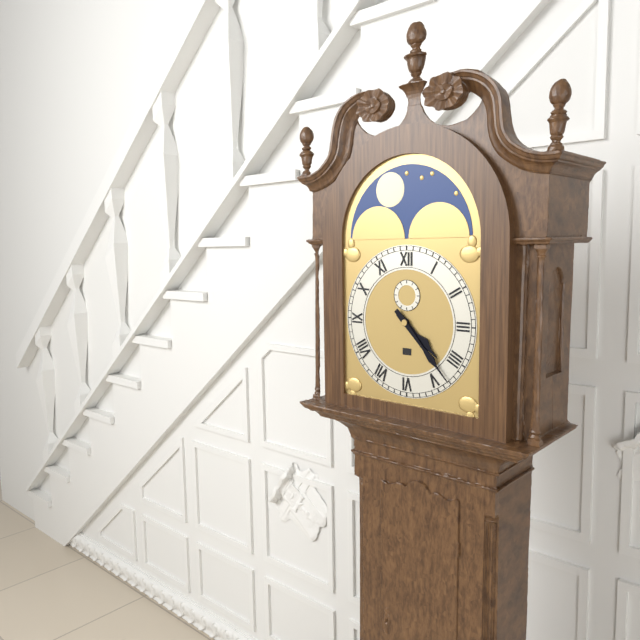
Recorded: **4:23**
